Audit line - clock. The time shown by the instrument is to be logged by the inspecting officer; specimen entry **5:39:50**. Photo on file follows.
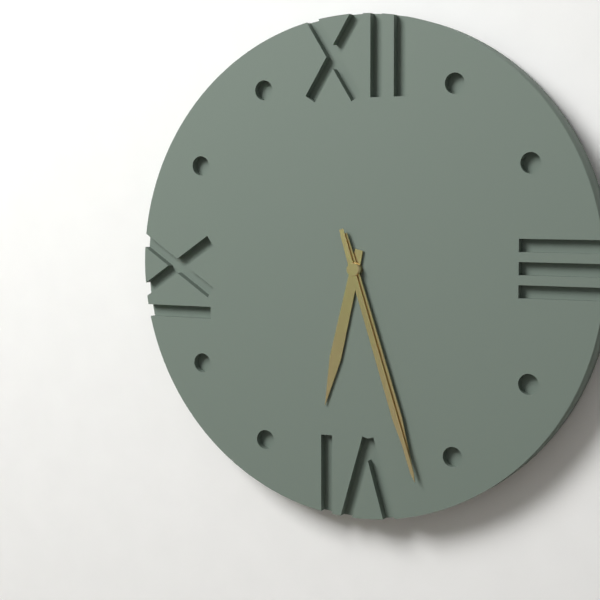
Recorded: **6:27:27**
